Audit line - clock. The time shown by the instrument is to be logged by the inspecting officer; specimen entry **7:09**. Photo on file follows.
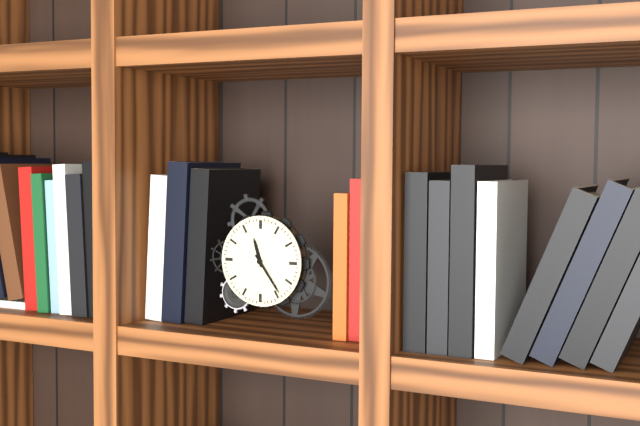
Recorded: **11:24**
